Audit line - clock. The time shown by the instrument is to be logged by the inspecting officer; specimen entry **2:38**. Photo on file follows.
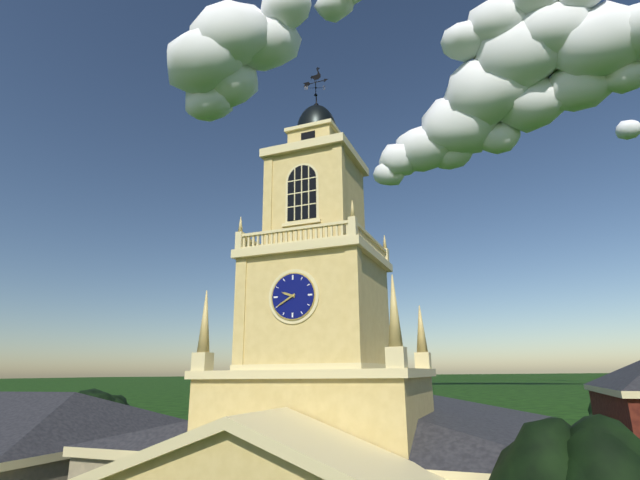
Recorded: **9:40**
